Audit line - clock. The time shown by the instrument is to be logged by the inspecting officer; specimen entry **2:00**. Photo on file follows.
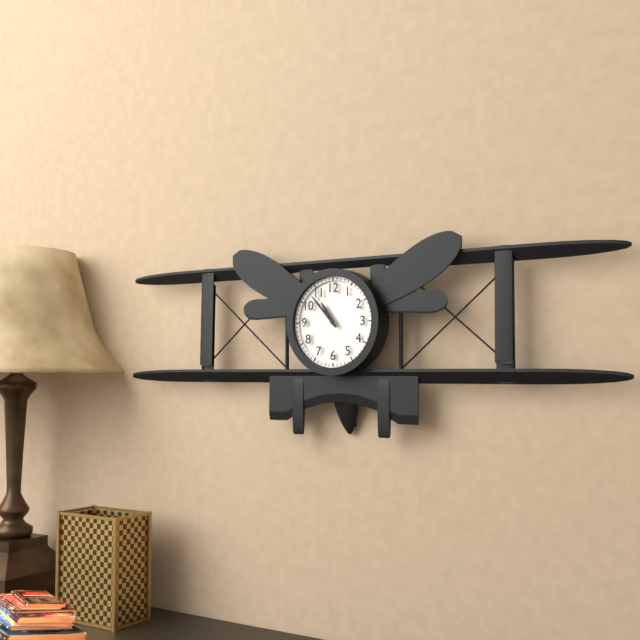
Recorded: **10:53**
